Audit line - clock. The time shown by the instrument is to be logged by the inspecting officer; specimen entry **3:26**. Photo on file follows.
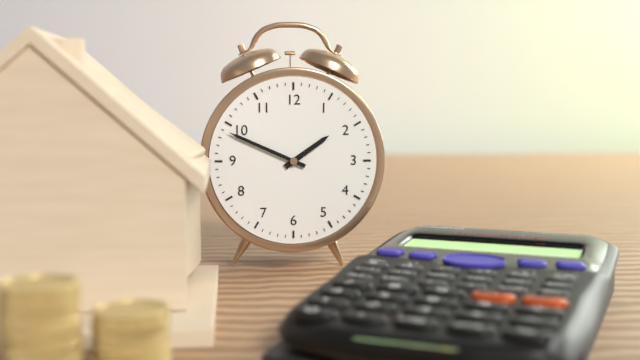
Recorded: **1:49**
